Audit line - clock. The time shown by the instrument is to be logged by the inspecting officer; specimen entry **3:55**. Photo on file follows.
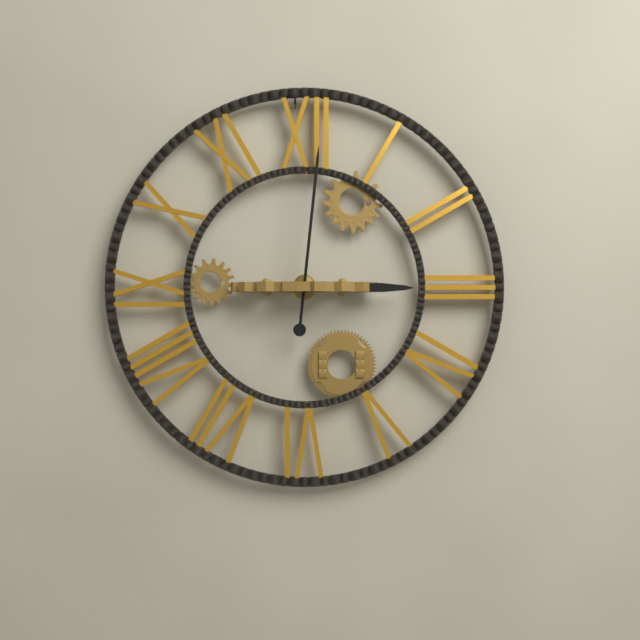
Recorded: **3:01**
